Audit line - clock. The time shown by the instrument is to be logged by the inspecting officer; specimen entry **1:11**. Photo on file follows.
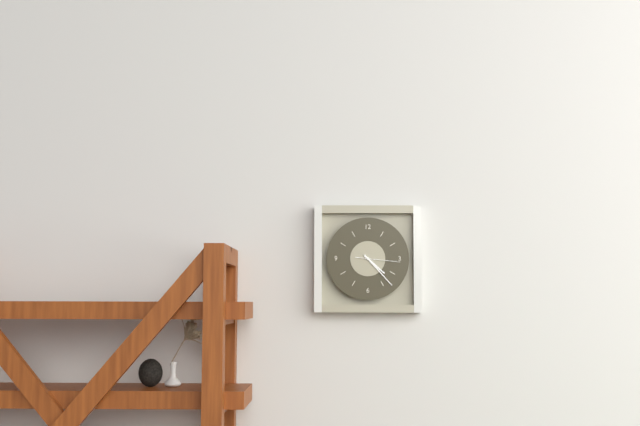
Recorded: **4:23**
